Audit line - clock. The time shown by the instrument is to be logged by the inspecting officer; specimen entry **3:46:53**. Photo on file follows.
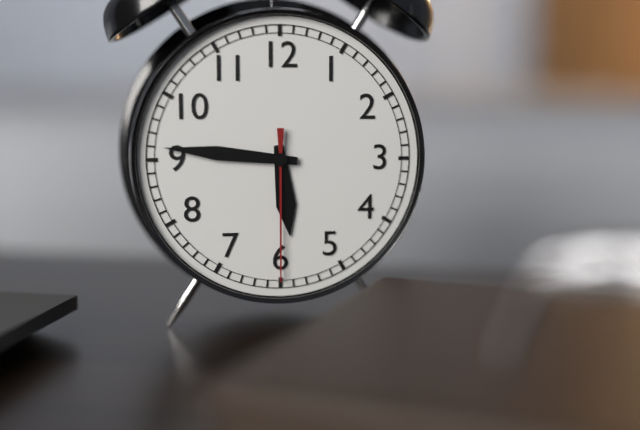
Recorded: **5:46:30**
